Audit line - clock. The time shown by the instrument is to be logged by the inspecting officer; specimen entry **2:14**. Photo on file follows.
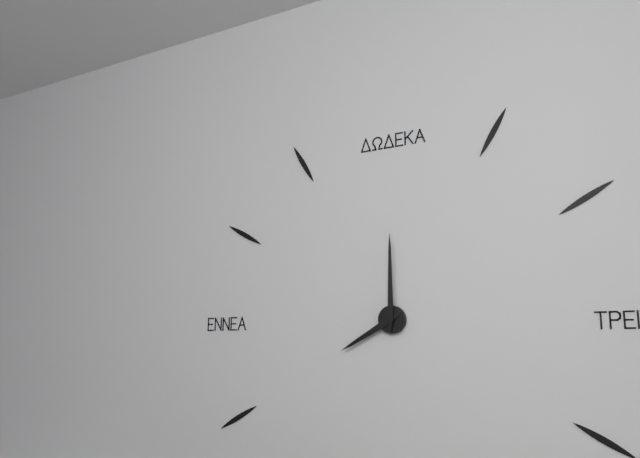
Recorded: **8:00**
